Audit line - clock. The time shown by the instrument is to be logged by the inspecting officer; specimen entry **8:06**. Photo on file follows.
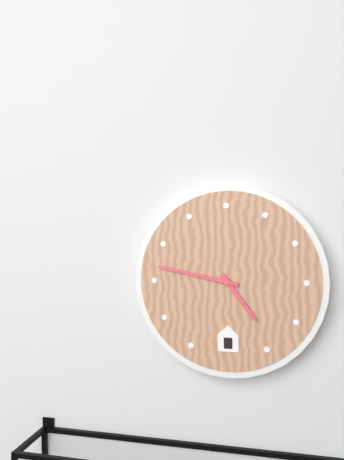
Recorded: **4:47**
